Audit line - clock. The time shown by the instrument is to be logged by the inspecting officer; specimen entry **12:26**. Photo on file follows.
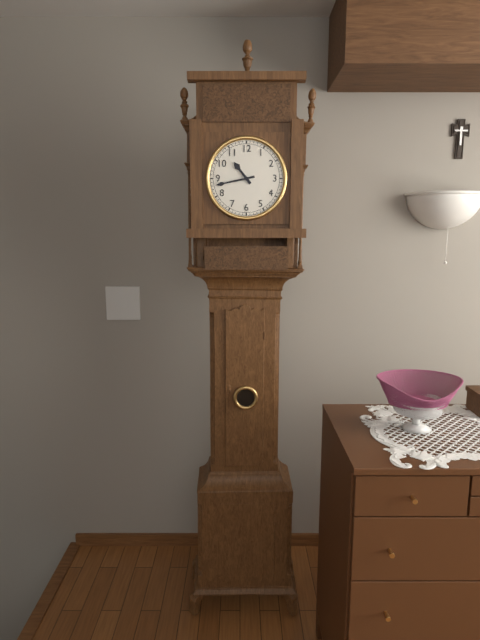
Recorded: **10:43**
